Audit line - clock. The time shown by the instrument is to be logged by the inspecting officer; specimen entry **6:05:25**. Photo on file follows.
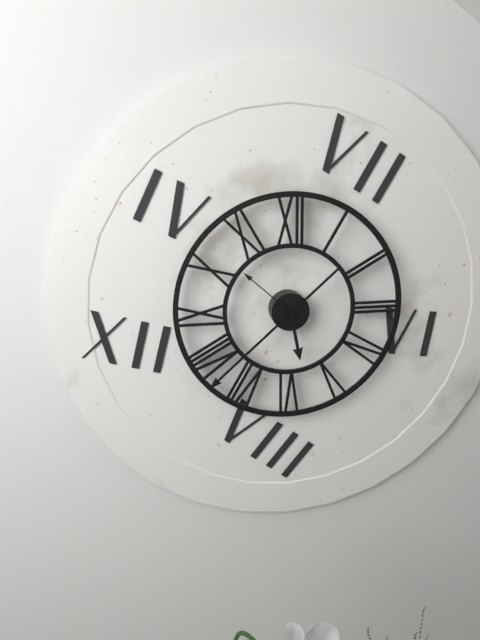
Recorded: **5:38:52**
